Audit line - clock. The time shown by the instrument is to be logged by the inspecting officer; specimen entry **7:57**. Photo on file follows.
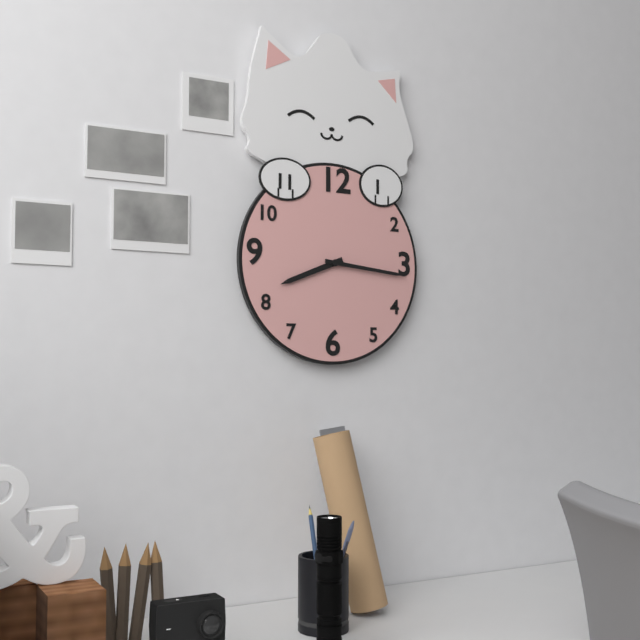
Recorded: **8:16**
